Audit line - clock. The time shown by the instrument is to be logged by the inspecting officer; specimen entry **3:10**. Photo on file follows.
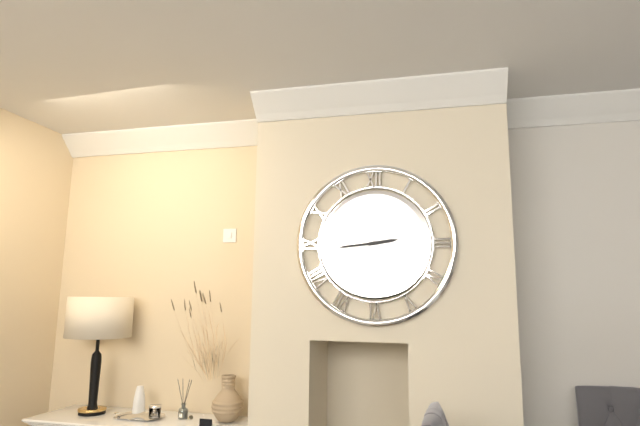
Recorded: **2:44**
